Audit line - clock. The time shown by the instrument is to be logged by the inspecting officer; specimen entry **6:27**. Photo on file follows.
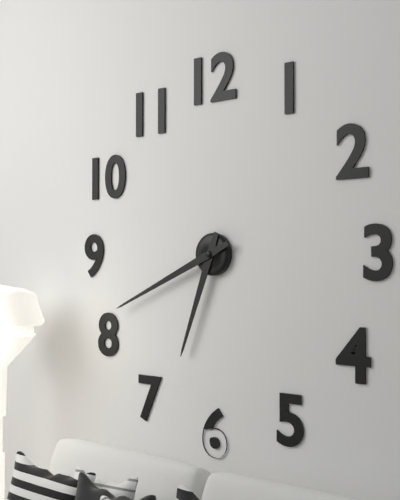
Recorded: **6:41**
